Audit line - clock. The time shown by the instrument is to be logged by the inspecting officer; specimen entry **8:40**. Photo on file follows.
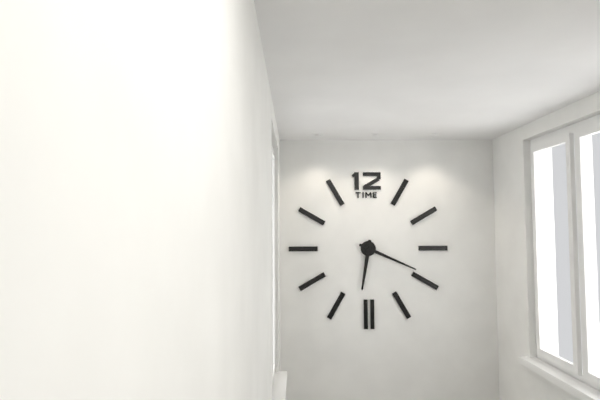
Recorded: **6:19**
